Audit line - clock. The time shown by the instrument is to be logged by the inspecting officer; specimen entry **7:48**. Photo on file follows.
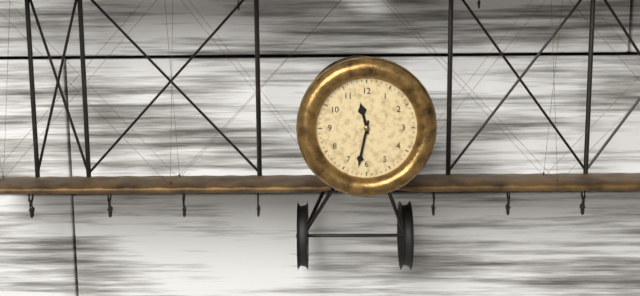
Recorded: **11:32**
